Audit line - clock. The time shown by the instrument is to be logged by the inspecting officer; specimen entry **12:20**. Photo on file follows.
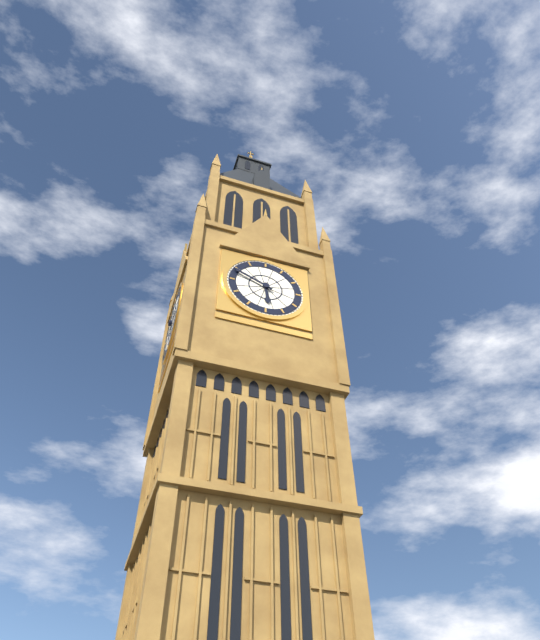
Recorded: **5:49**
